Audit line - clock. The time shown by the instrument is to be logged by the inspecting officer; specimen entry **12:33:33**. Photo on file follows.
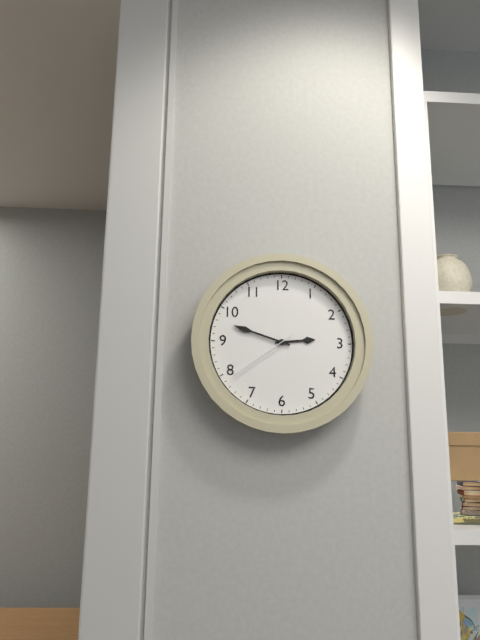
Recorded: **2:48:39**
